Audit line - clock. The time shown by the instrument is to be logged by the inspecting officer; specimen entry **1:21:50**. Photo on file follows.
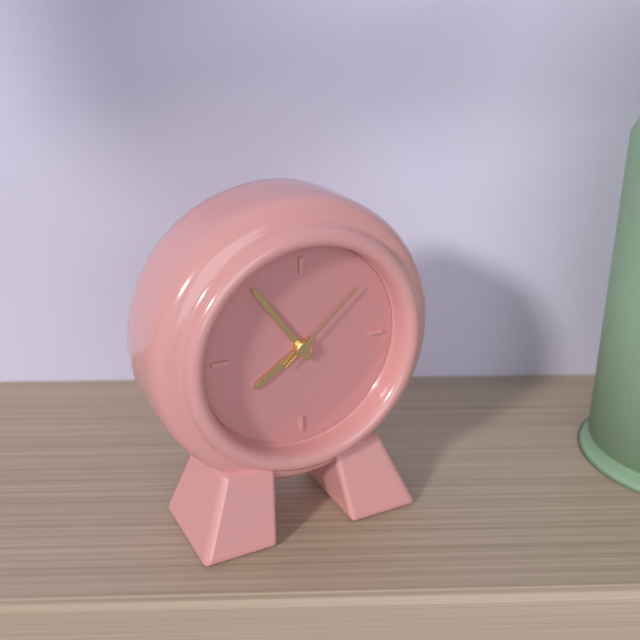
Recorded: **7:54:08**
